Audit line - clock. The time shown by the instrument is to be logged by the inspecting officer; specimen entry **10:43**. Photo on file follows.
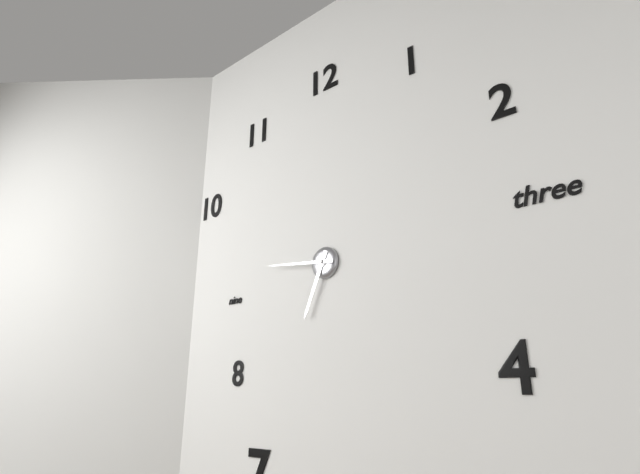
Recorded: **6:46**
